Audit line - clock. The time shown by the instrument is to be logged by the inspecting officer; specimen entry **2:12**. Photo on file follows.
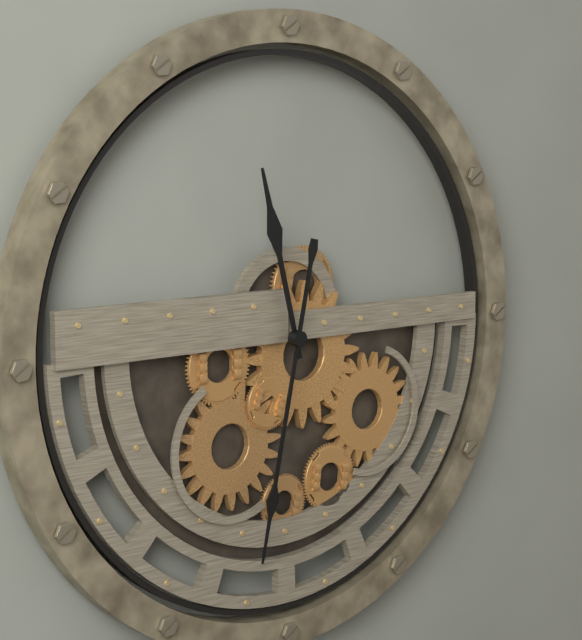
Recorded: **11:32**
